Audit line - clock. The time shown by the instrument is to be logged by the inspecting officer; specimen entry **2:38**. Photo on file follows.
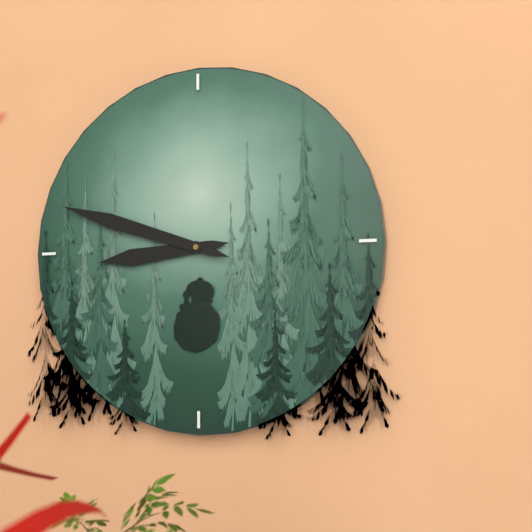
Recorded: **8:48**
